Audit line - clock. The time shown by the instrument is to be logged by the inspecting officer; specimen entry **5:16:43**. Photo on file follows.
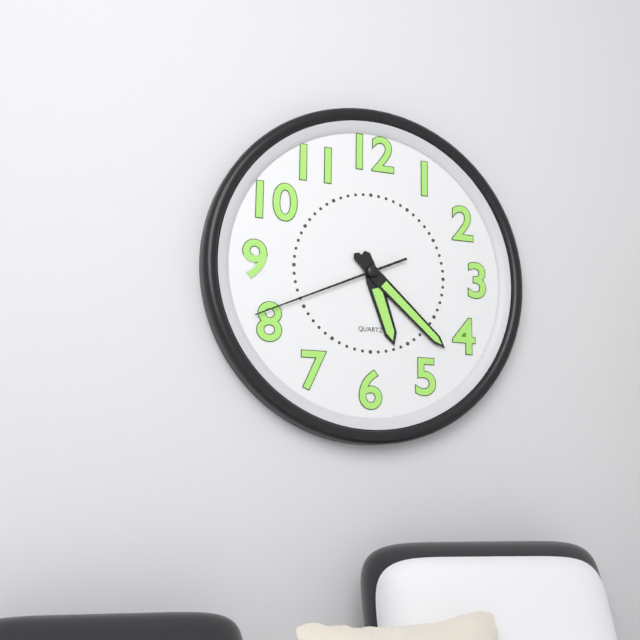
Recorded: **5:22:41**
